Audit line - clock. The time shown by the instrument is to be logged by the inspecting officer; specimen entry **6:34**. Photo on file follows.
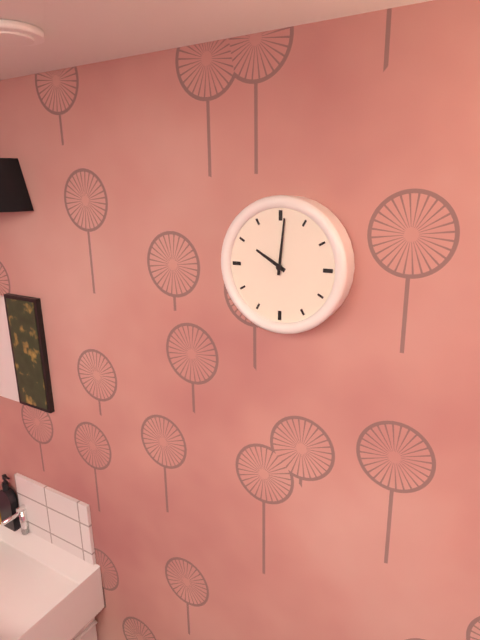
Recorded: **10:01**
